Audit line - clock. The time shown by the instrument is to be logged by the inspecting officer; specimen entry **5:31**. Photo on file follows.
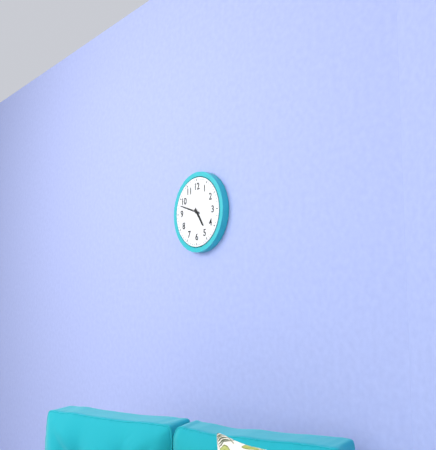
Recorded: **4:48**
